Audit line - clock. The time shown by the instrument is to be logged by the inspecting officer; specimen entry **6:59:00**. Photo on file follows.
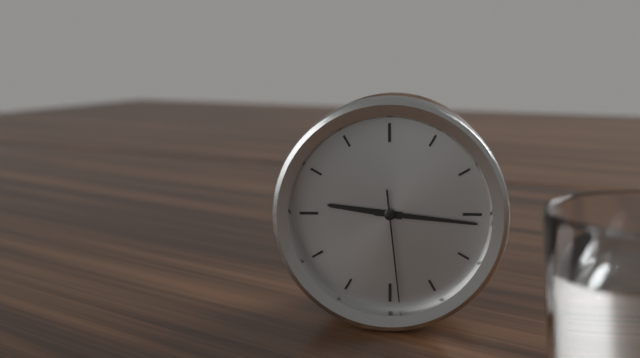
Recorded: **9:16:29**
